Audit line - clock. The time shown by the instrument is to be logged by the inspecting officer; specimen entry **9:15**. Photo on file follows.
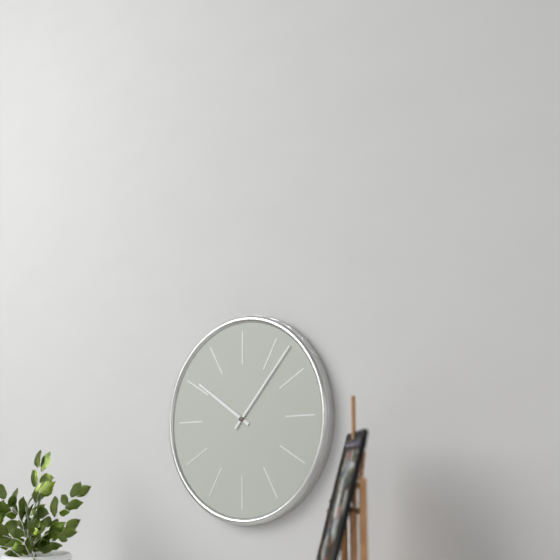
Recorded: **10:07**
